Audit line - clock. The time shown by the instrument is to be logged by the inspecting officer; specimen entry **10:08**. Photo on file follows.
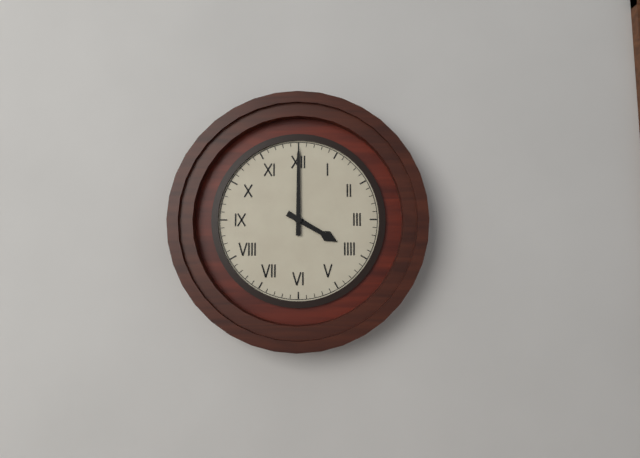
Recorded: **4:00**
